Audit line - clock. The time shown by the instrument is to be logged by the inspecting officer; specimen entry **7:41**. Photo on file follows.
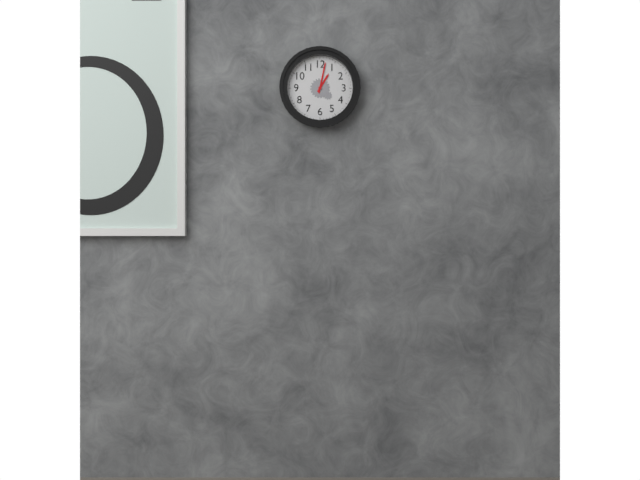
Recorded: **1:02**
